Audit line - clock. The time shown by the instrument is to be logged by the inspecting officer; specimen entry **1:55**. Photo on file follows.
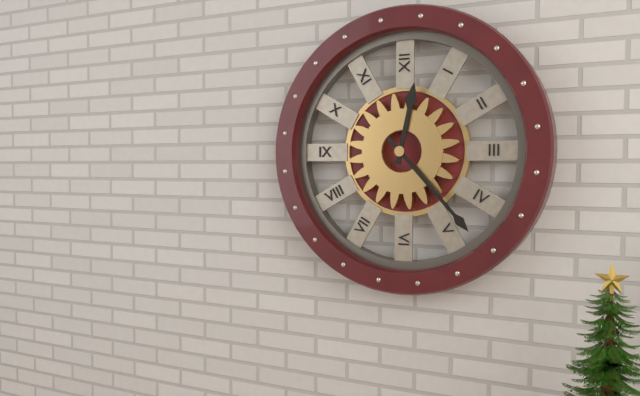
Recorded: **12:23**
